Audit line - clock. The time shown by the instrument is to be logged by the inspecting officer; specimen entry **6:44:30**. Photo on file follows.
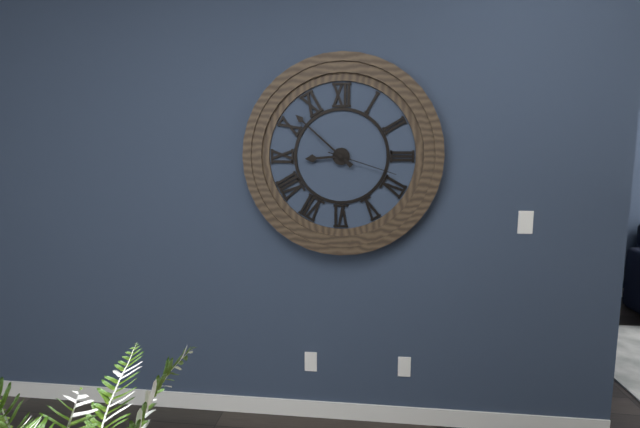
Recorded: **8:52:18**
